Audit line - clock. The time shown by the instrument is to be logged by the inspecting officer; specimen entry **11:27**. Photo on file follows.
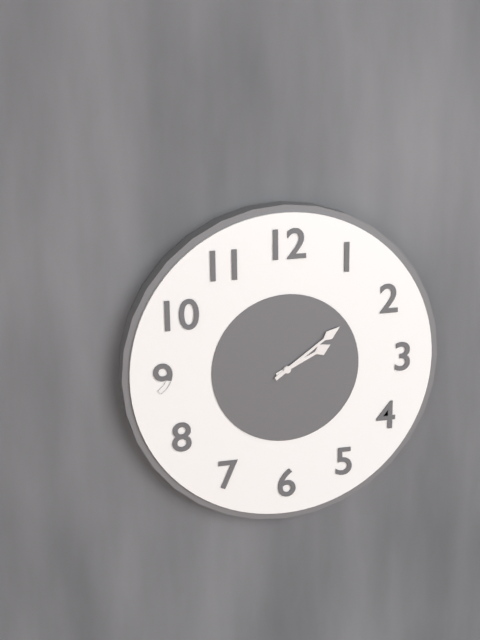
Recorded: **2:09**
